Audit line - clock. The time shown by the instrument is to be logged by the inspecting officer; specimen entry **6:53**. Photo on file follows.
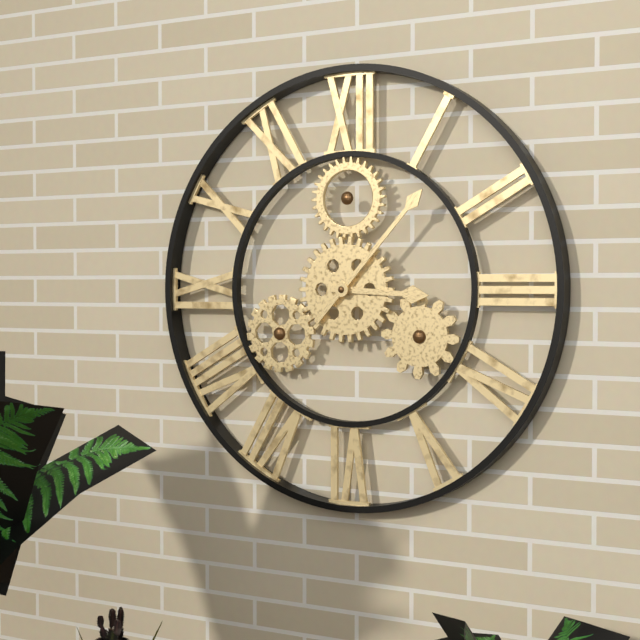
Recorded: **3:07**
